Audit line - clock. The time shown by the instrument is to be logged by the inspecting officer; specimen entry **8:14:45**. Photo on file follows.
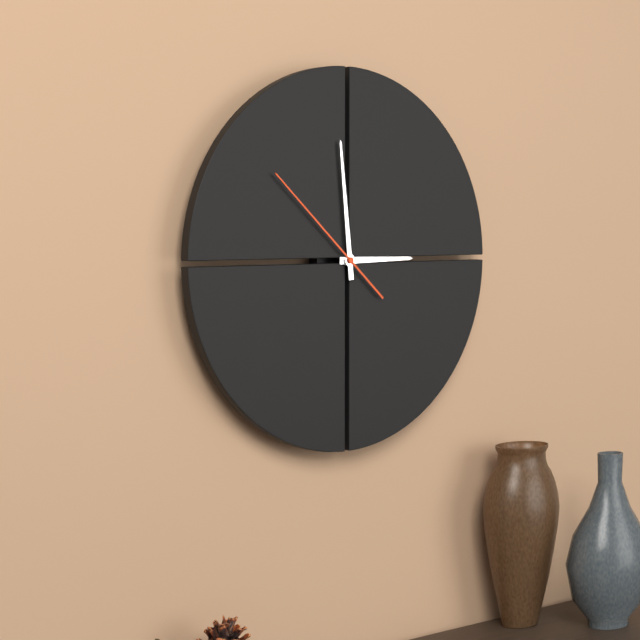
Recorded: **2:59:52**
